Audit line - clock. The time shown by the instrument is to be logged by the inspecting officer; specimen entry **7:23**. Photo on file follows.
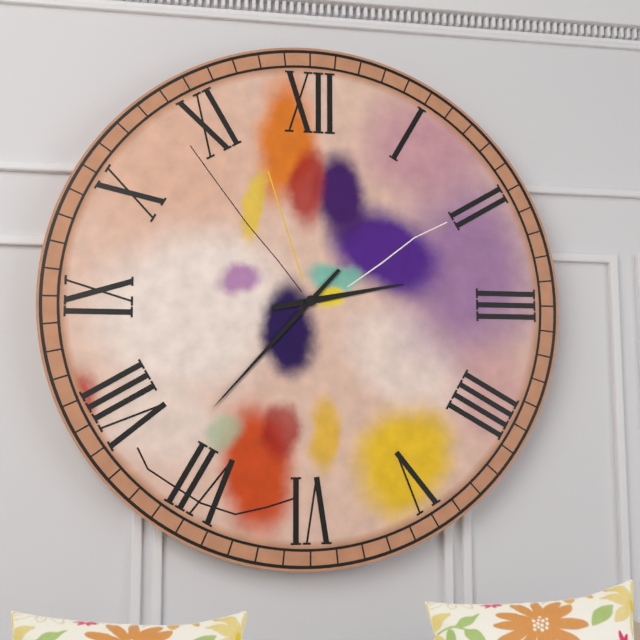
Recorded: **2:37**
